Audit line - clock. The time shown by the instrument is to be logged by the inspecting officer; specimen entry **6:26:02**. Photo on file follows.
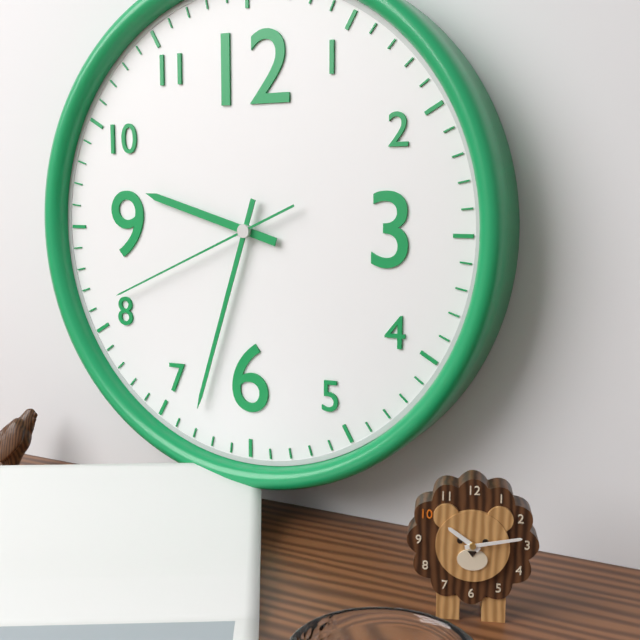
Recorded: **9:33:41**
